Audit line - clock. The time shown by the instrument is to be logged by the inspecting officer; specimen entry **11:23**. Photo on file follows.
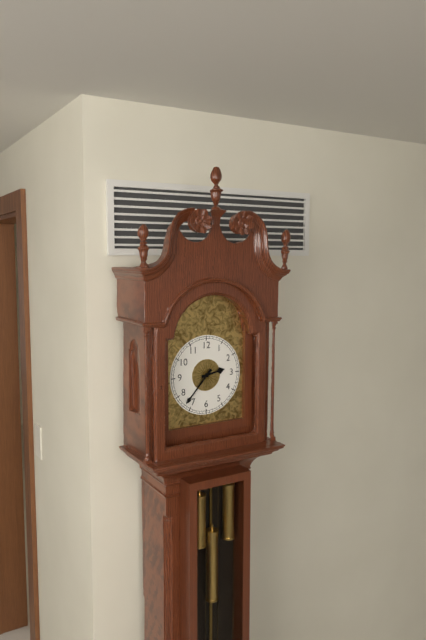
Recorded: **2:37**
